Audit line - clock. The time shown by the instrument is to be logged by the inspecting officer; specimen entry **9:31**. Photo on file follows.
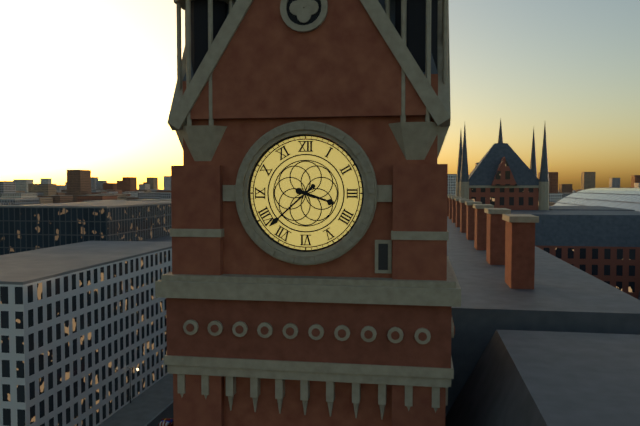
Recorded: **3:38**
